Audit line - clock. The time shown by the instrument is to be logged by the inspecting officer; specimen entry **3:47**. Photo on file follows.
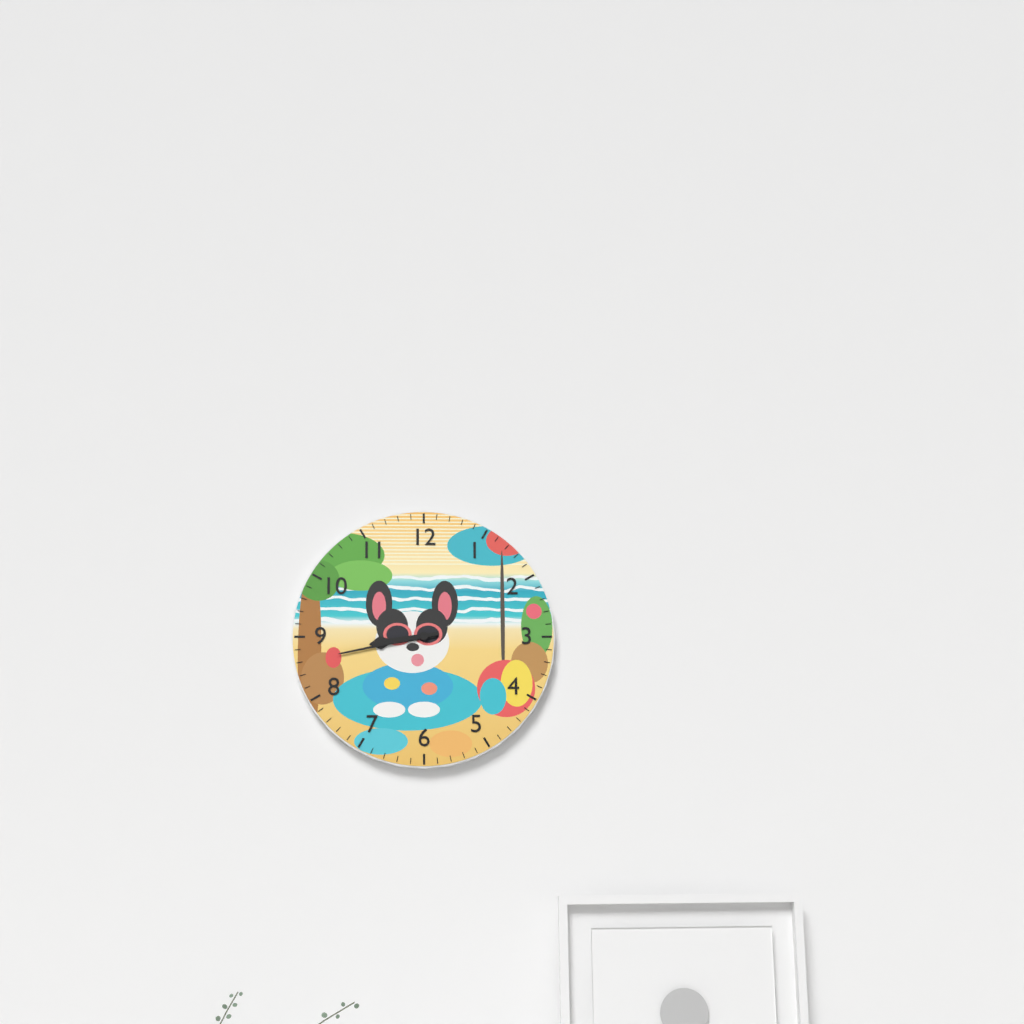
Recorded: **8:43**
